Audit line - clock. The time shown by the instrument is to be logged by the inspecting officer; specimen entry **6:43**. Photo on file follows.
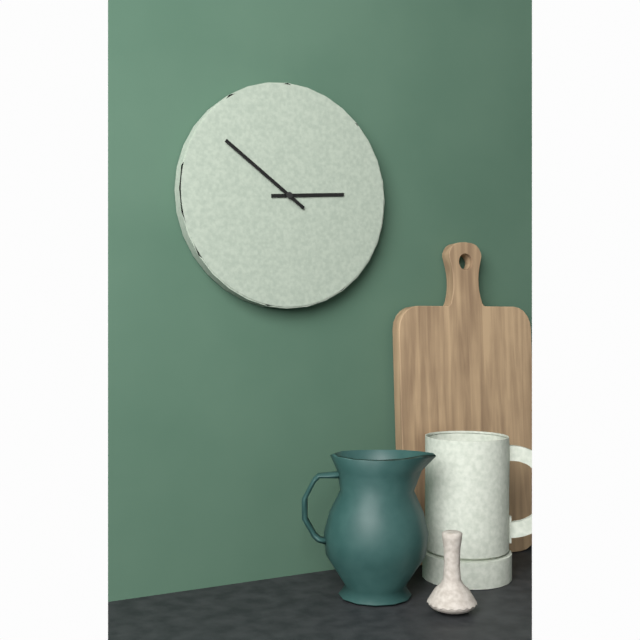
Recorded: **2:51**
